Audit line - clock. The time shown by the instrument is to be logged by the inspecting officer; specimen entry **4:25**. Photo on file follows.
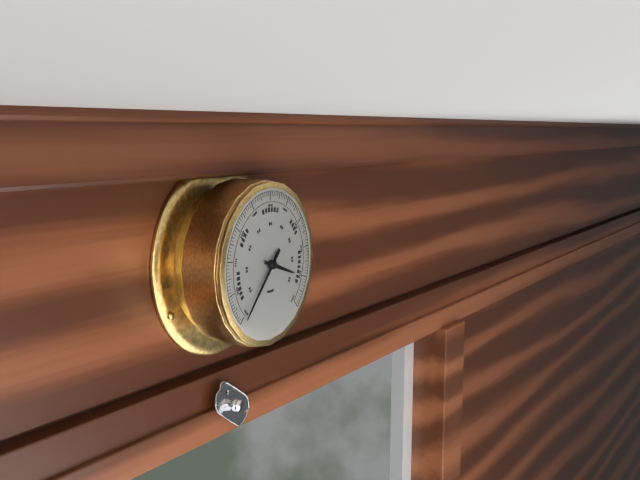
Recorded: **3:37**
